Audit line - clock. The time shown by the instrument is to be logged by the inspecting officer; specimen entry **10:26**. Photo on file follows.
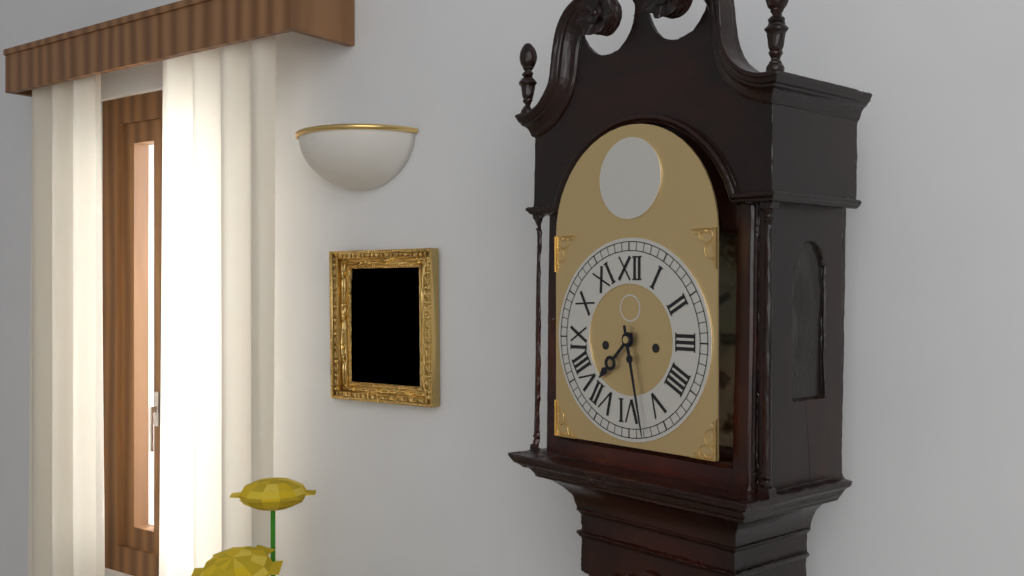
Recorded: **7:28**
